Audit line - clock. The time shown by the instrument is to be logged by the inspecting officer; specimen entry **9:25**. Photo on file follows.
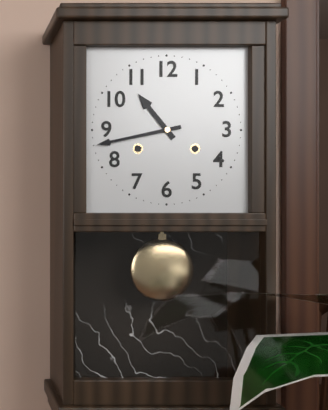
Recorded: **10:43**
